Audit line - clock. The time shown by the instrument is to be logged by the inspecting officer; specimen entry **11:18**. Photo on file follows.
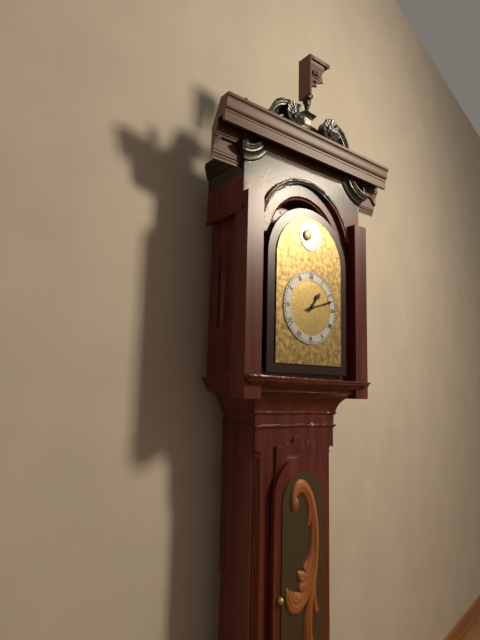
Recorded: **1:12**
